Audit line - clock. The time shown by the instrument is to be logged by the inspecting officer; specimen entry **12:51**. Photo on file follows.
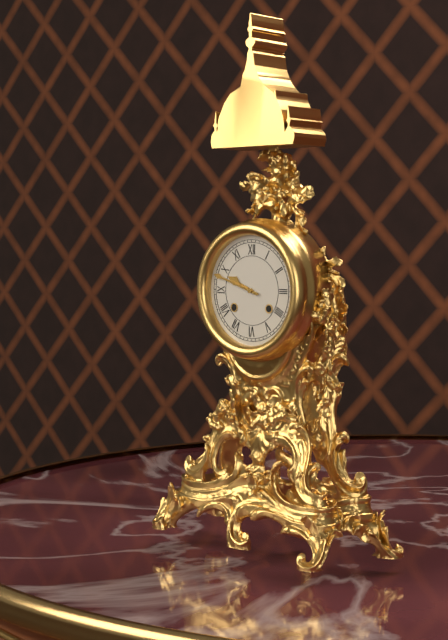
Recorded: **9:48**
